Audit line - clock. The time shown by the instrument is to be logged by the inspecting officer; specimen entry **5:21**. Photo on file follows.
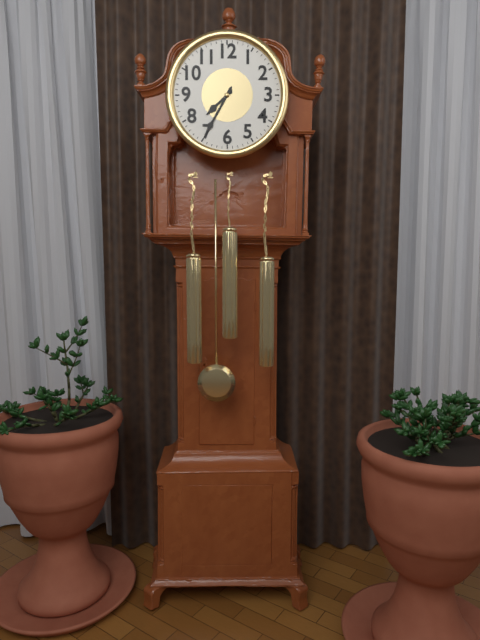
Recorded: **7:35**
